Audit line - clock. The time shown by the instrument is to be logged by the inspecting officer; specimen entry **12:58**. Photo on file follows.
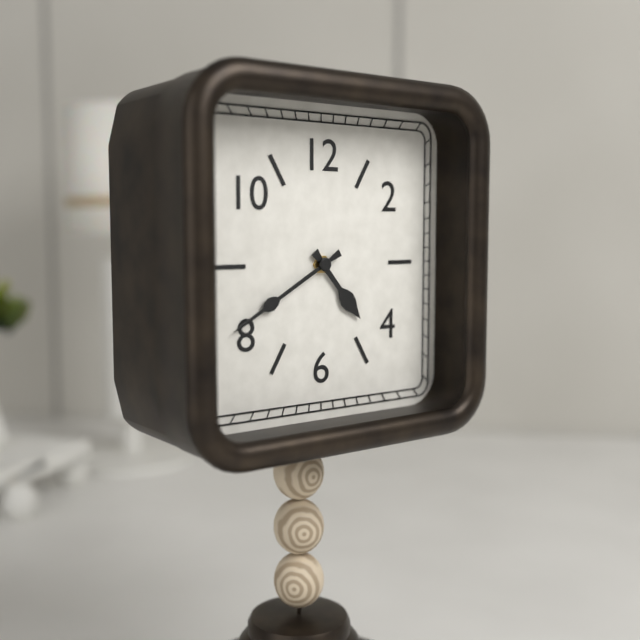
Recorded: **4:40**
